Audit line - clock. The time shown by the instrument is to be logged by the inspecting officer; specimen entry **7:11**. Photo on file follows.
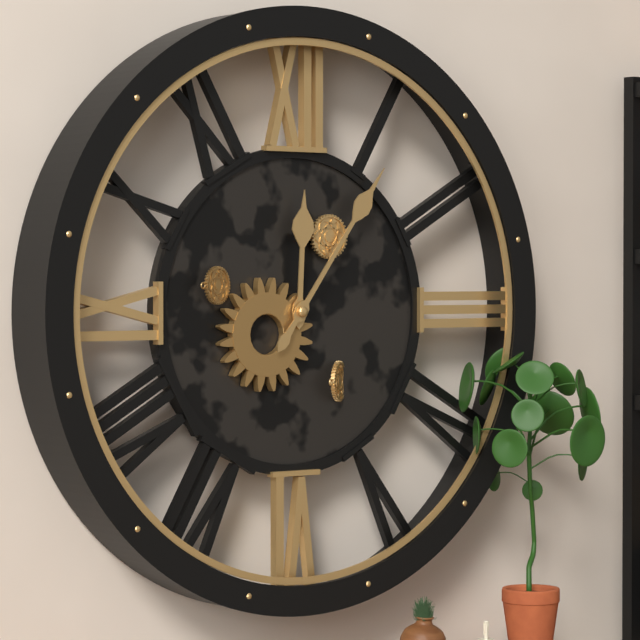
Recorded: **12:06**
